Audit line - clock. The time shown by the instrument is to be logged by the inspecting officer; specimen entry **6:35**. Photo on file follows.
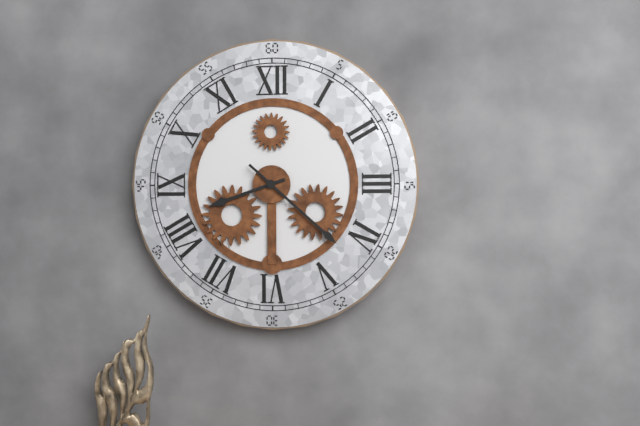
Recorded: **8:22**
